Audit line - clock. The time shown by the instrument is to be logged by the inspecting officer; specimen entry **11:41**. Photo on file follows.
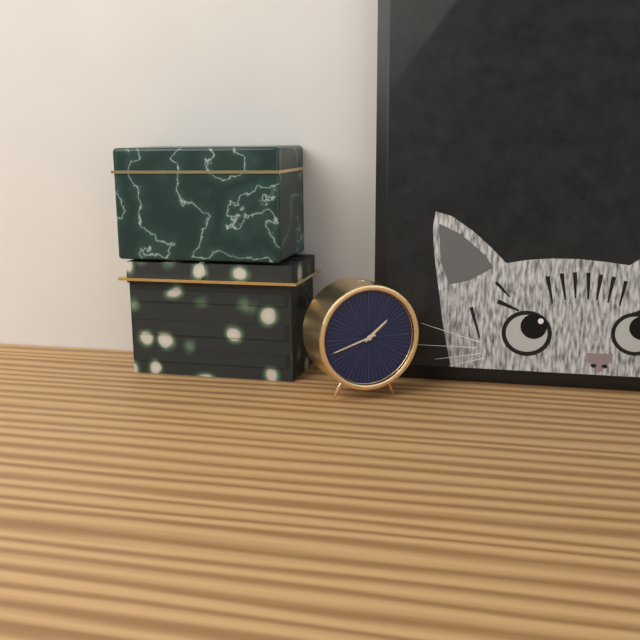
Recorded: **1:42**
